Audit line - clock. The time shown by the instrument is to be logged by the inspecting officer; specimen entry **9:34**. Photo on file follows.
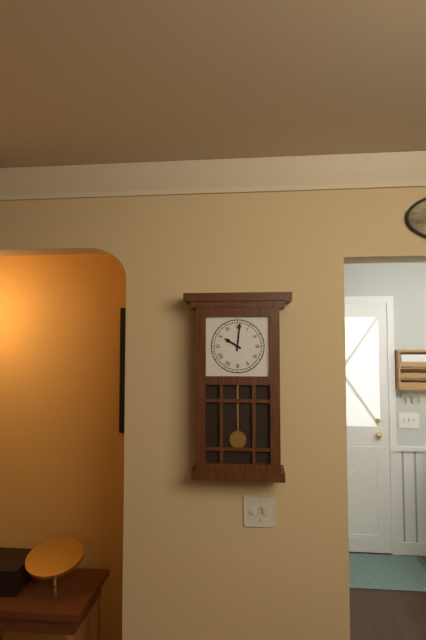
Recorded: **10:01**
